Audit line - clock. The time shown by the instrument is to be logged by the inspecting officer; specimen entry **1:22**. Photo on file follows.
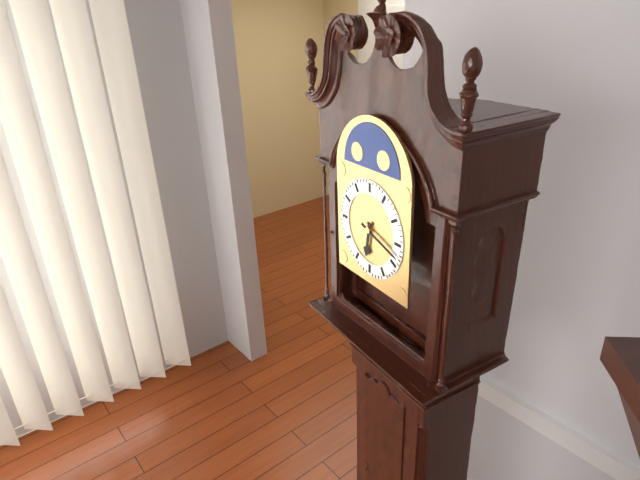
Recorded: **6:18**
